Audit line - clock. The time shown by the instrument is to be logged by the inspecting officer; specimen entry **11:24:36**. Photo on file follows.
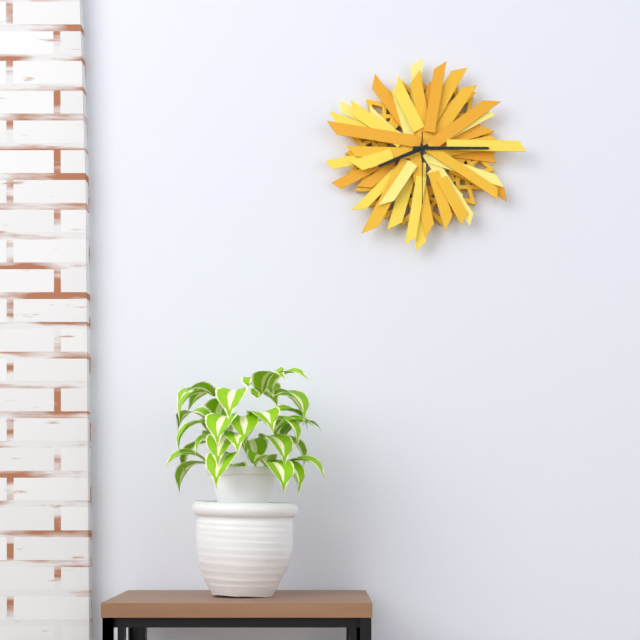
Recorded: **8:15:30**
